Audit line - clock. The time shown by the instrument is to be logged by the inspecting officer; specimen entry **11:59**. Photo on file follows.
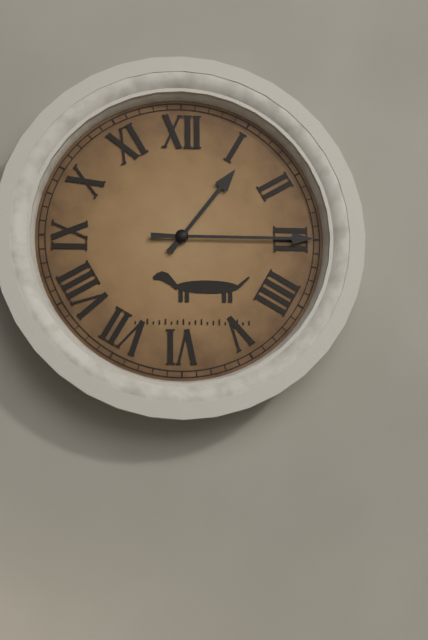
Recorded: **1:15**
